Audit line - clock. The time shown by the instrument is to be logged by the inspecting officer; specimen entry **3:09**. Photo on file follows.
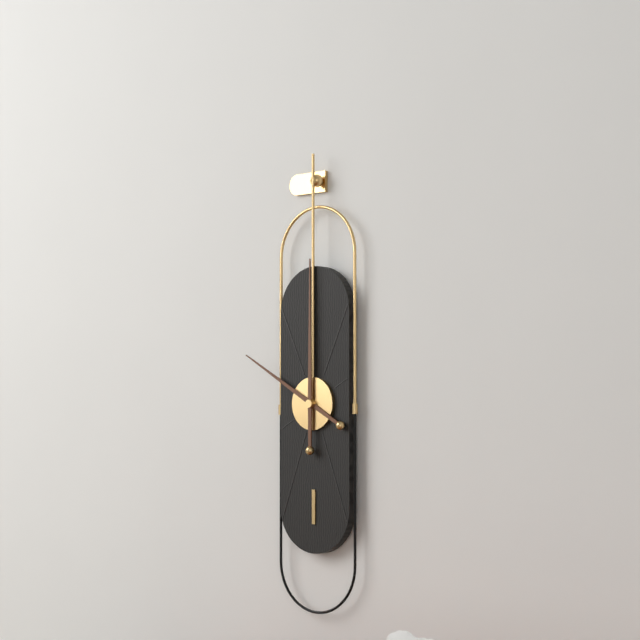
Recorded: **10:00**
